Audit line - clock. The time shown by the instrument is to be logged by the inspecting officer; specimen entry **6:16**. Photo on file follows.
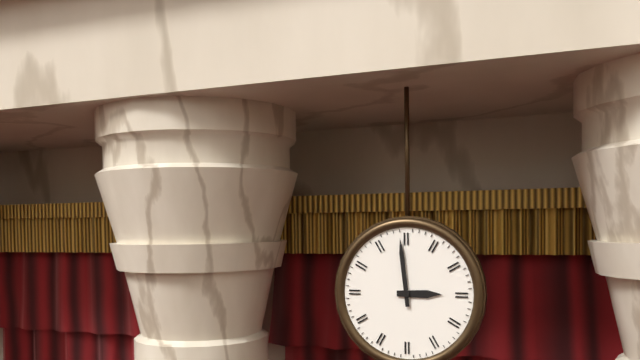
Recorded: **2:59**
